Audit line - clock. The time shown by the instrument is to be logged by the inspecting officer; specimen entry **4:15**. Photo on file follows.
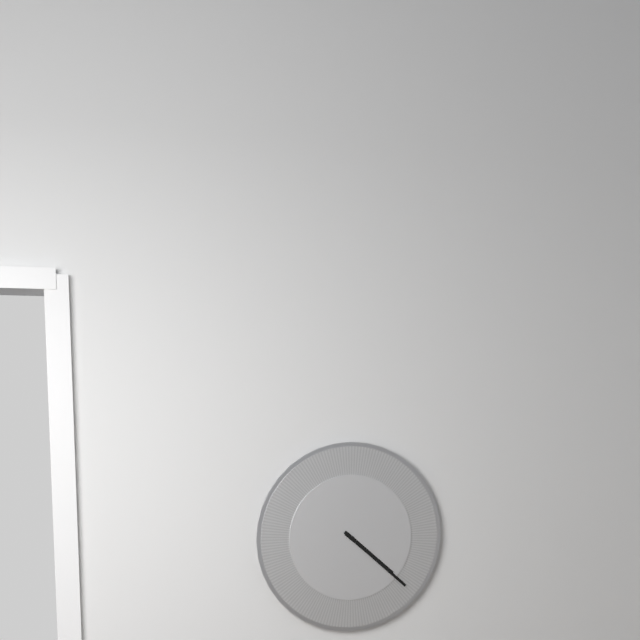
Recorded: **4:22**
